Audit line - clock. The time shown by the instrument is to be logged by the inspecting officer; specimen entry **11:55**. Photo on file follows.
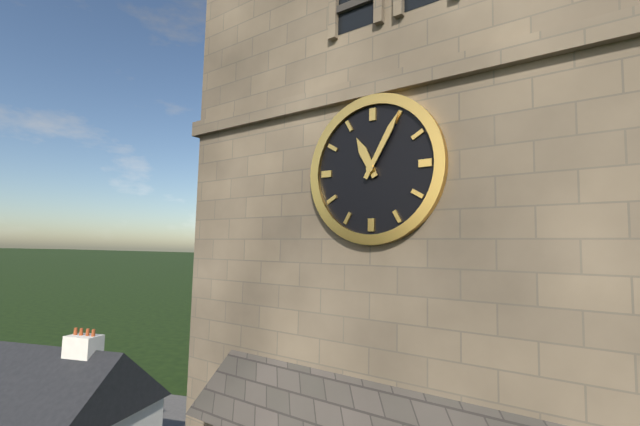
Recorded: **11:05**
